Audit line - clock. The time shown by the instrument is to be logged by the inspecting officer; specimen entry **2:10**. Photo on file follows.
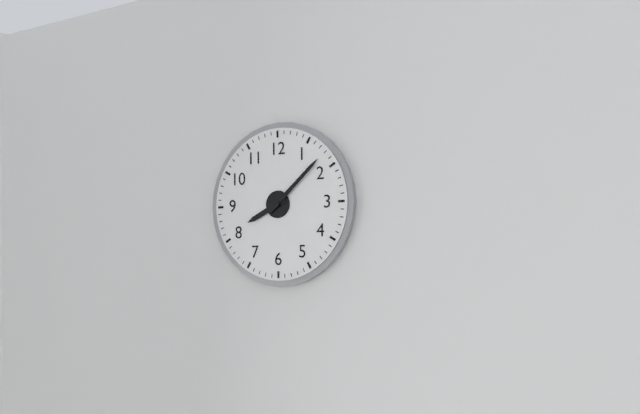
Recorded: **8:08**
